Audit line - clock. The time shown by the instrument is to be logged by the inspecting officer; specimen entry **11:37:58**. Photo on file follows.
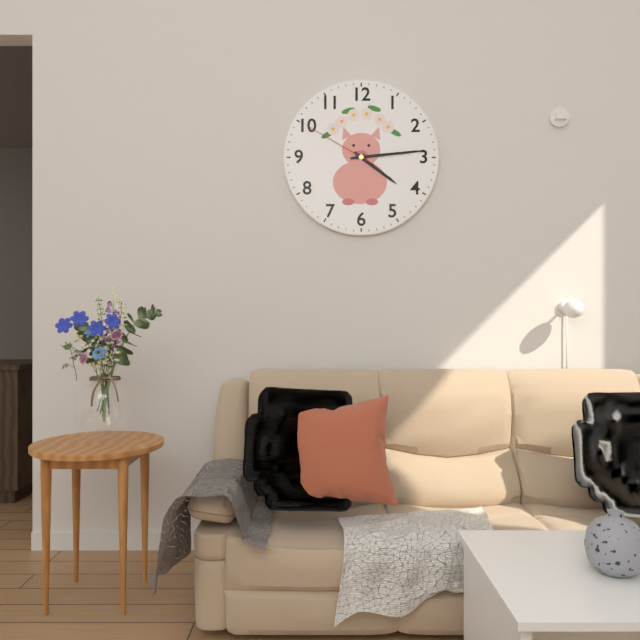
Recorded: **4:14:50**
